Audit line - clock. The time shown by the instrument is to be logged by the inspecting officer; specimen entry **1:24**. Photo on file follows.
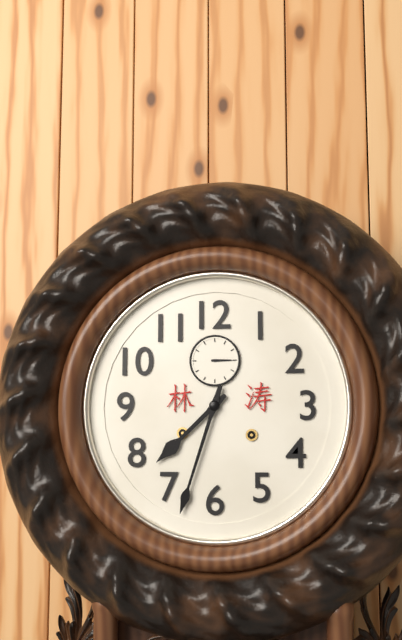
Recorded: **7:33**
